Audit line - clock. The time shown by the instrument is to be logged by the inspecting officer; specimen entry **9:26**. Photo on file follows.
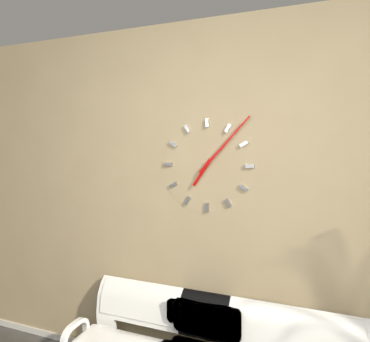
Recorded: **7:07**
